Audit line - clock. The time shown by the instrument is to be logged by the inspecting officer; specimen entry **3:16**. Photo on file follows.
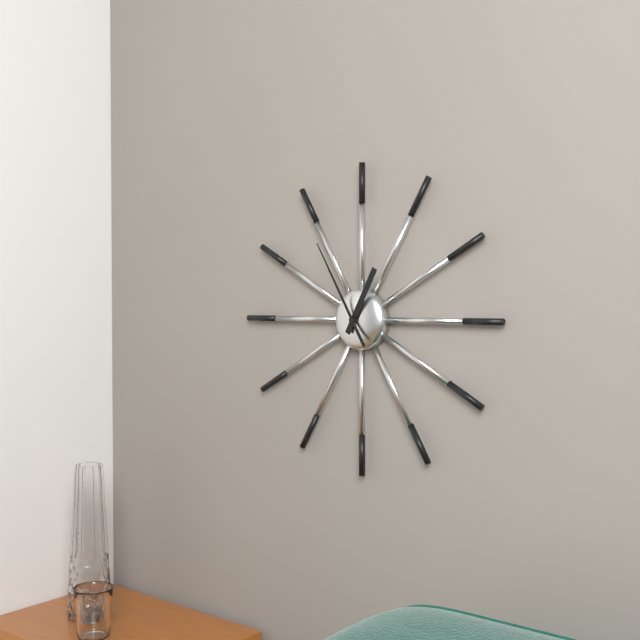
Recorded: **12:55**
